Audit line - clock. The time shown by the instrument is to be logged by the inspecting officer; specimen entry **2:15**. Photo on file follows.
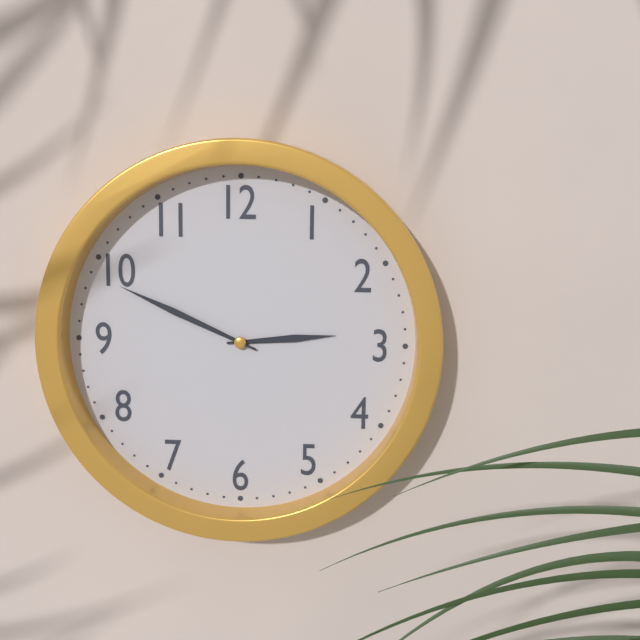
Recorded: **2:49**
